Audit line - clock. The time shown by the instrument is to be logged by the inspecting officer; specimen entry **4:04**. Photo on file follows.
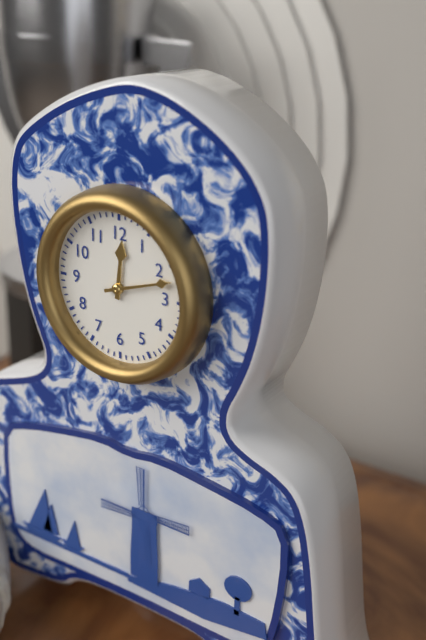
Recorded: **12:12**
